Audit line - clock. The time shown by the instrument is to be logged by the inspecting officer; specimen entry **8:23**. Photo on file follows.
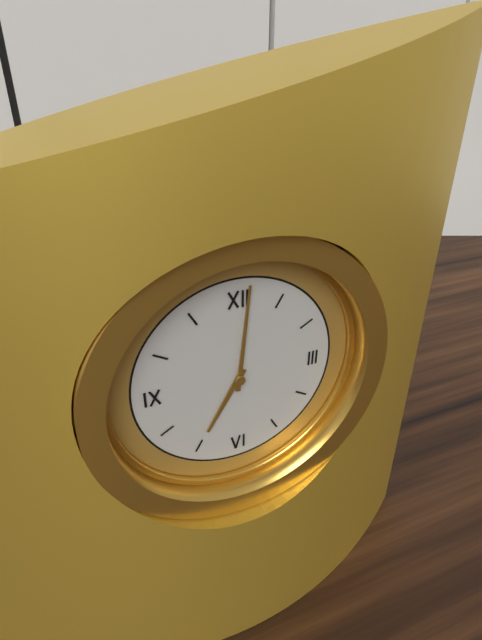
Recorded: **7:01**
